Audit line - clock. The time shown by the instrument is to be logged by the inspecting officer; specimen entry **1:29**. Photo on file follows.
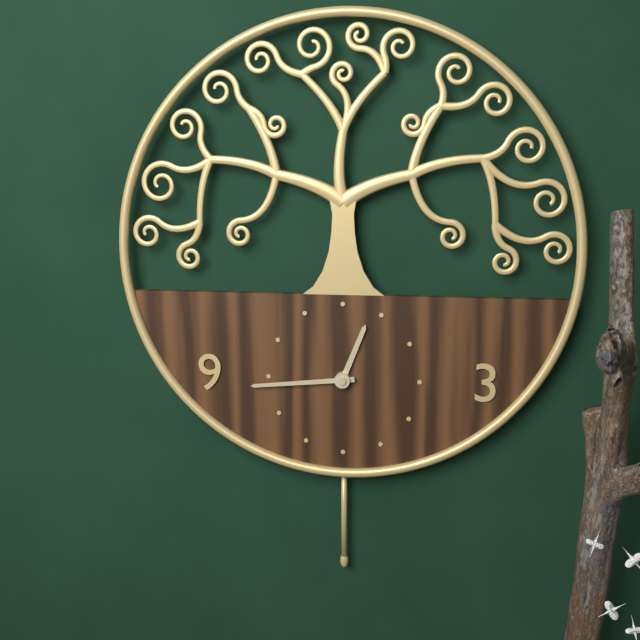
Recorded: **12:44**
